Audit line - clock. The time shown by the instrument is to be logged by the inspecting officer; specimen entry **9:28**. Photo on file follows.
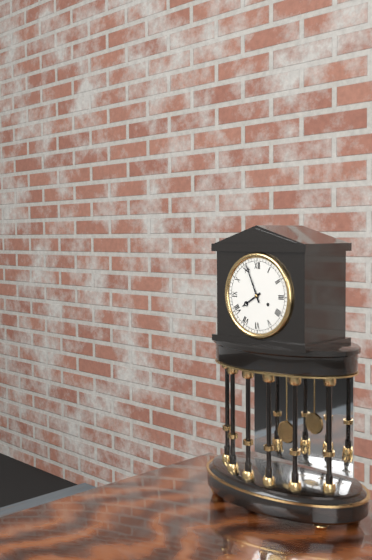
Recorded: **7:56**
